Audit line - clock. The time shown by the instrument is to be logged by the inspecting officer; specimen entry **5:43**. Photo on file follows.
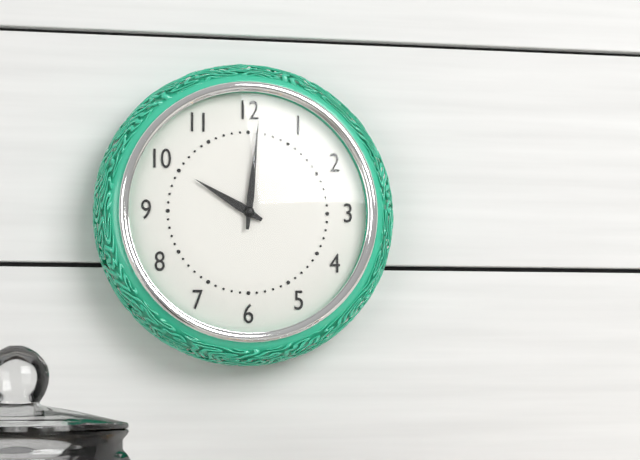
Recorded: **10:01**
